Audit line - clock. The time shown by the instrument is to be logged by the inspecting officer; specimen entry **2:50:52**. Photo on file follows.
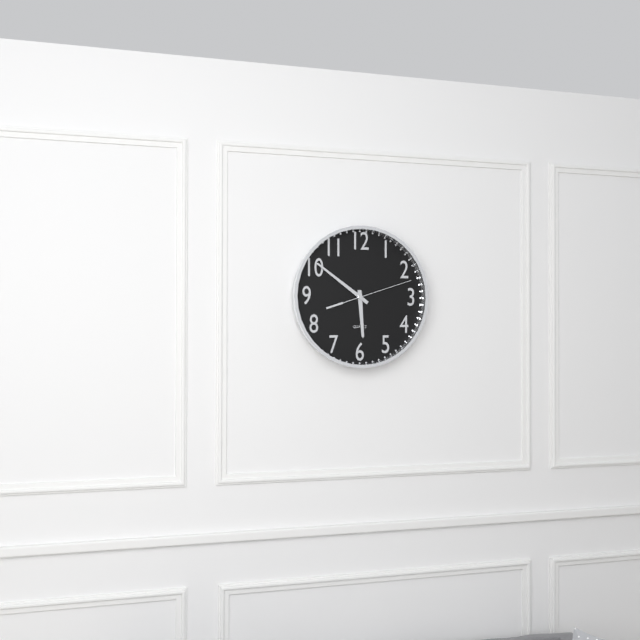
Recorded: **5:51:12**
